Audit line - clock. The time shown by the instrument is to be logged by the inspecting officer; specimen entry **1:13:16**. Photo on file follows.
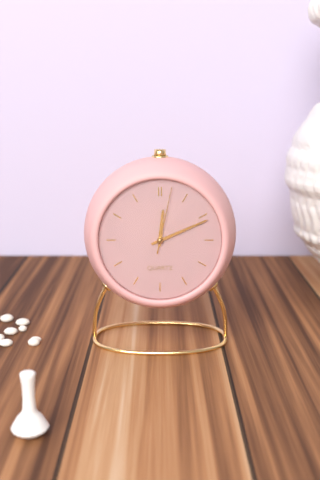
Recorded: **12:11:02**
